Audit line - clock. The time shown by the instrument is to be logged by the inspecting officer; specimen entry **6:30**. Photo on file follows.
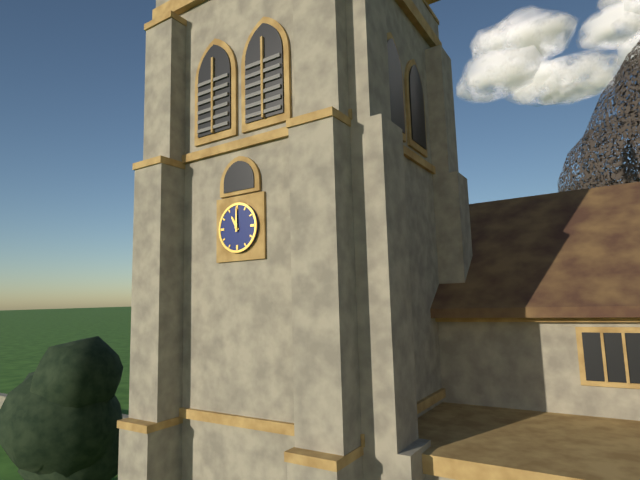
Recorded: **11:00**
